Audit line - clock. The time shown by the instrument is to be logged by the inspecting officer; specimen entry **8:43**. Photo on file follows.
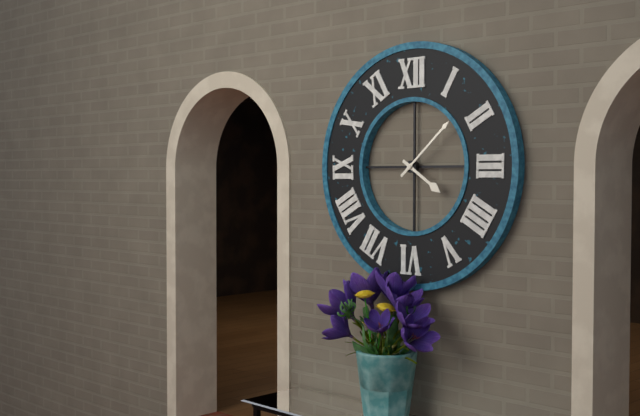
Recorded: **4:08**
